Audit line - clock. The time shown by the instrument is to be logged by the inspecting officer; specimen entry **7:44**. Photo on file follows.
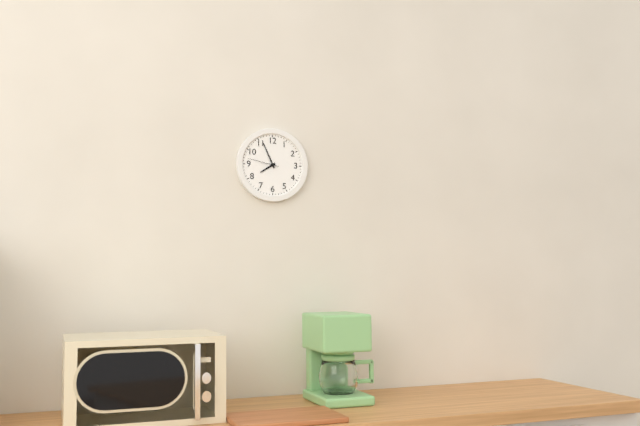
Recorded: **7:56**
